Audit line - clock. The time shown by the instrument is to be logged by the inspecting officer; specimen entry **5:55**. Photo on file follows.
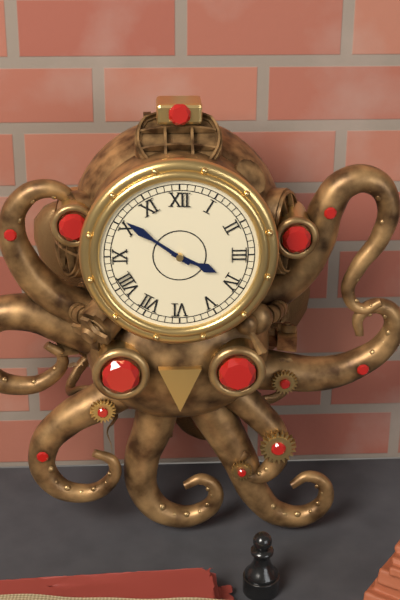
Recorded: **3:51**
